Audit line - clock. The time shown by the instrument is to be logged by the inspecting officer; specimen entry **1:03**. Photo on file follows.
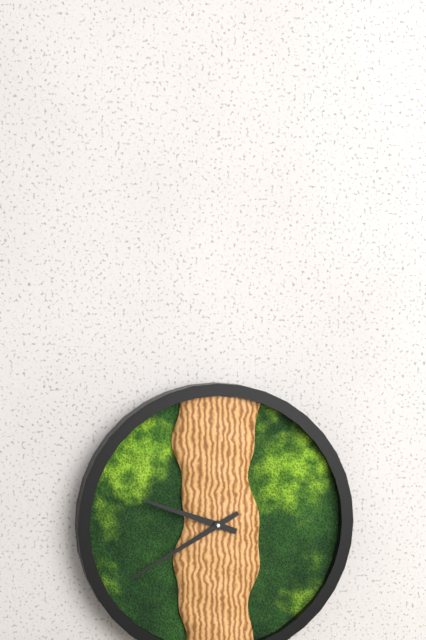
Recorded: **9:40**
